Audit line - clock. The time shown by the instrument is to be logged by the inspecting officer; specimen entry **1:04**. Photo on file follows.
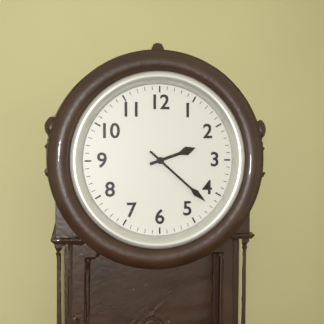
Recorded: **2:22**
